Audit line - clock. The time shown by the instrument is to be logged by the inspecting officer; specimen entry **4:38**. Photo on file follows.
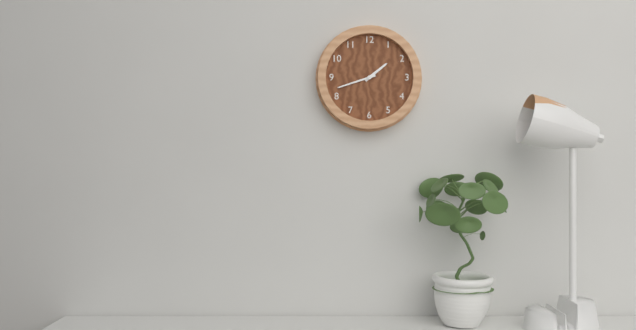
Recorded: **1:42**
